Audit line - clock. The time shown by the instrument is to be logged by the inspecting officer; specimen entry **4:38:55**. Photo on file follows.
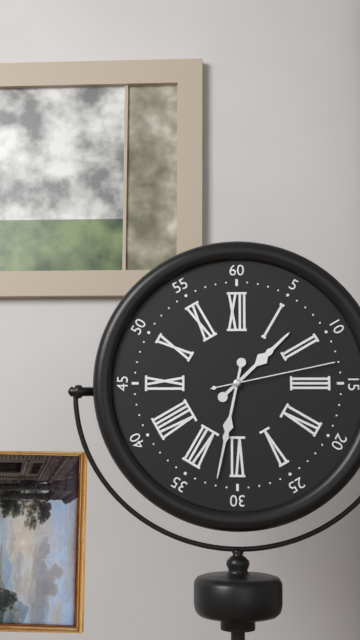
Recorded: **1:32:13**
